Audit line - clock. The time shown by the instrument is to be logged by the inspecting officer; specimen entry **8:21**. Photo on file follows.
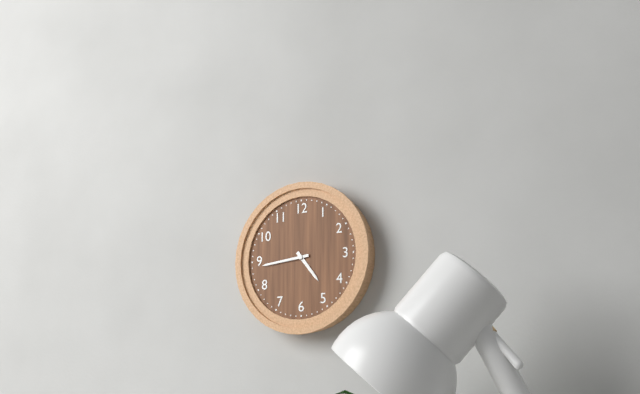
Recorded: **4:44**
